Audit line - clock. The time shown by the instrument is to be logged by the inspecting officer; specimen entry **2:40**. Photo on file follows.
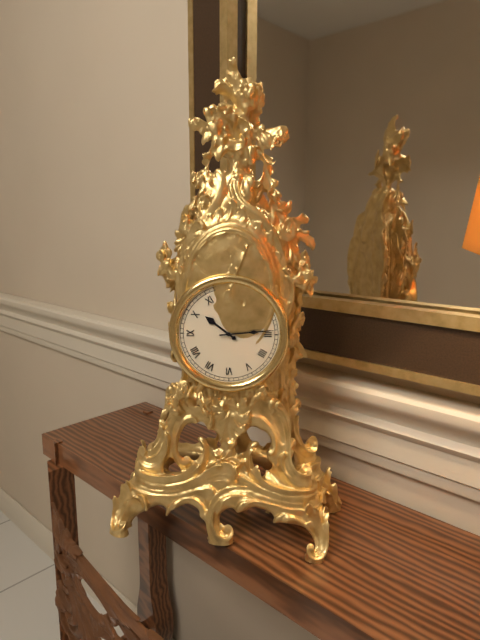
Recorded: **10:14**
